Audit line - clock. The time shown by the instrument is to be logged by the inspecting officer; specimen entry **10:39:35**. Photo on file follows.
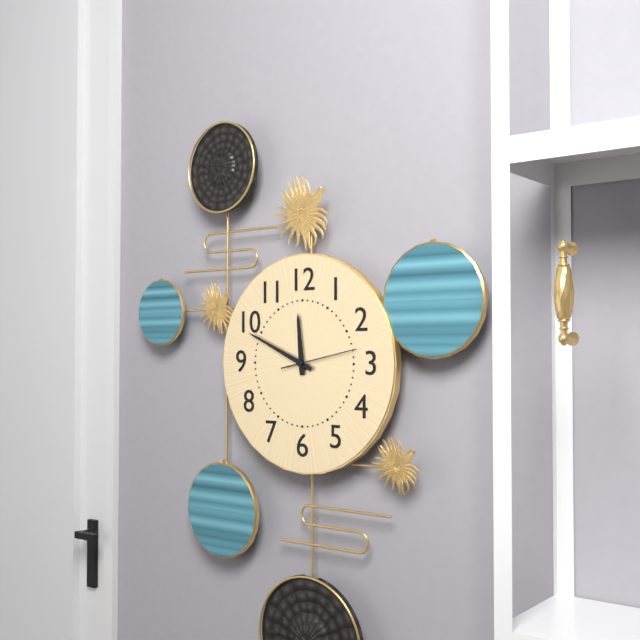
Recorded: **11:49:13**
